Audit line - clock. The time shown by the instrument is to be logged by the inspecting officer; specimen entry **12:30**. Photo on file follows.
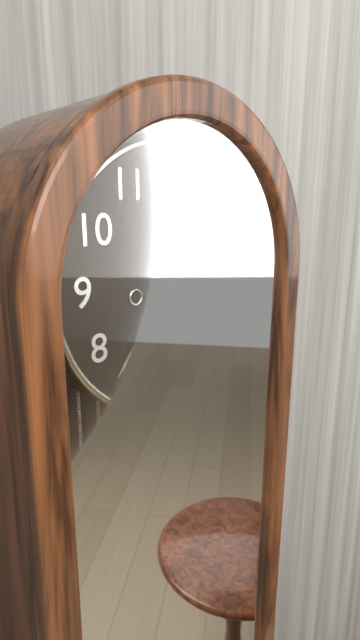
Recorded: **11:37**
